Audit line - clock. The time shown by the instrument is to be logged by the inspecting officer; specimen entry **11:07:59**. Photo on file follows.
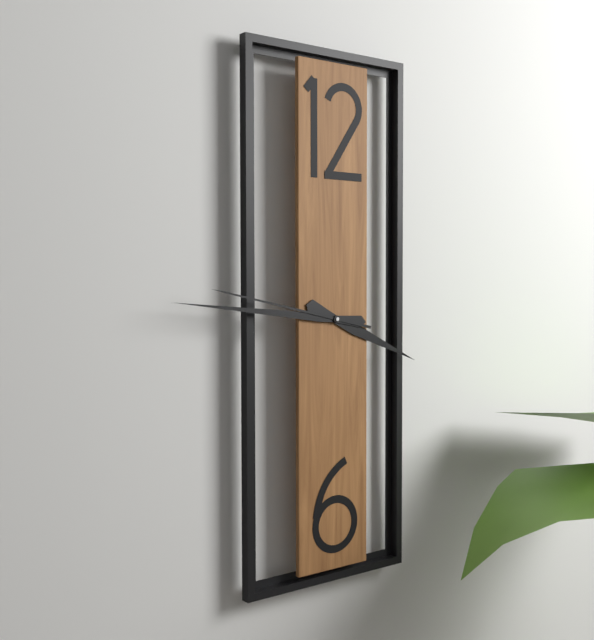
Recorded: **3:46:47**
